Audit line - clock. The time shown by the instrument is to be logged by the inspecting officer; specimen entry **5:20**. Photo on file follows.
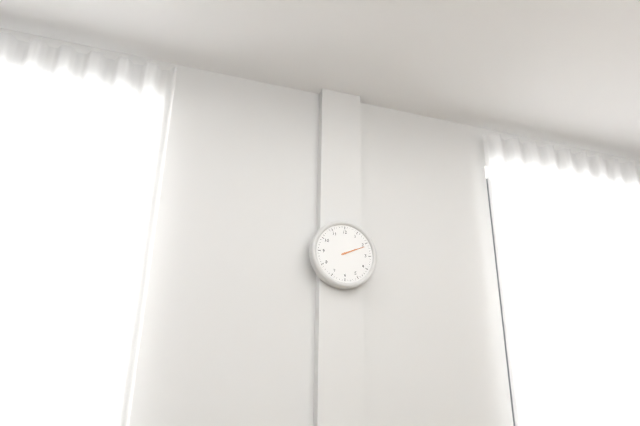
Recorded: **2:11**
